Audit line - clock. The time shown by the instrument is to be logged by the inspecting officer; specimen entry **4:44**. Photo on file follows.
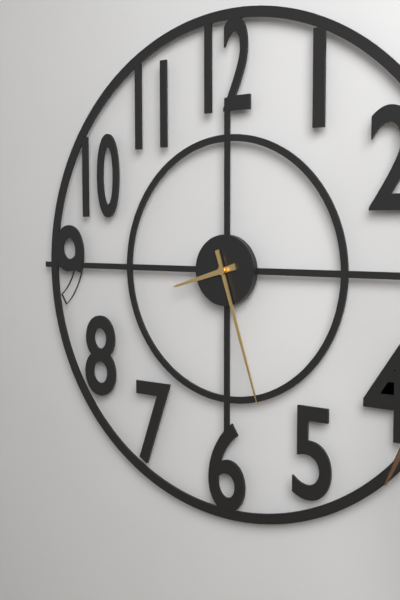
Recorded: **8:27**
